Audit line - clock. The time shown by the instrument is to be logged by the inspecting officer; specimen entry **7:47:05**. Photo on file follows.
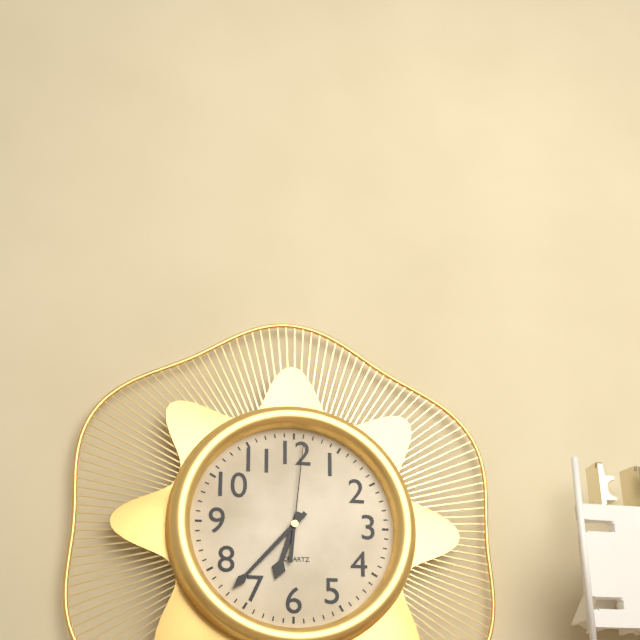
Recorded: **6:37:01**
